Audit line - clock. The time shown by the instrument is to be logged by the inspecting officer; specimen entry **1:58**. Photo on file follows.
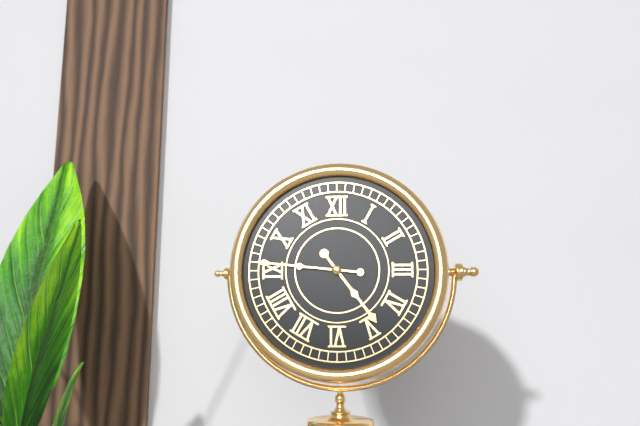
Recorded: **4:46**
